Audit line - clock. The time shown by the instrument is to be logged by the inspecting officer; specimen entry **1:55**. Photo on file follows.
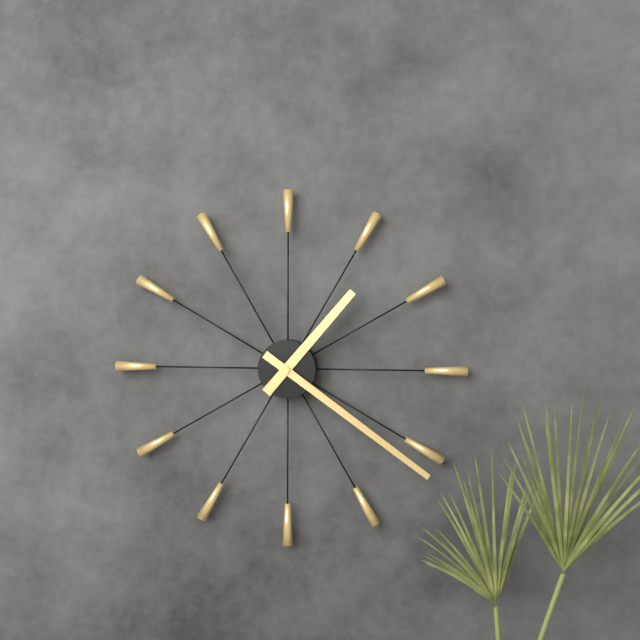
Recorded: **1:21**
